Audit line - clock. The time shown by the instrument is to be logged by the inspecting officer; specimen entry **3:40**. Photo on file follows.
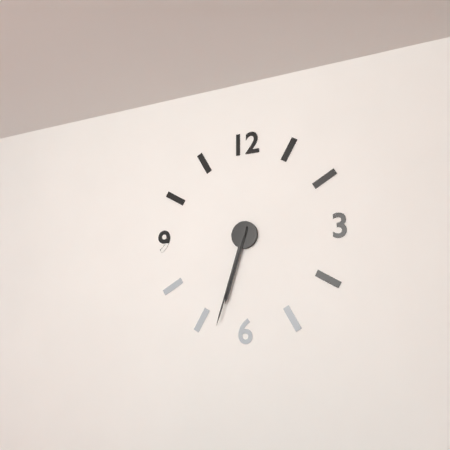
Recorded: **6:33**
